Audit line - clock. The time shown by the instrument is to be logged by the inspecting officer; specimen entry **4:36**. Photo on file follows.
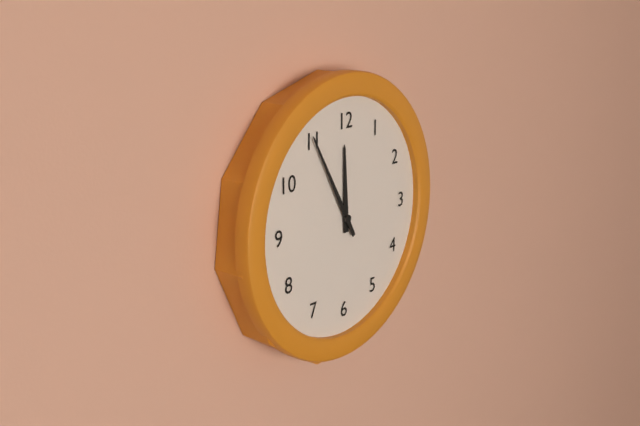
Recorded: **11:55**
